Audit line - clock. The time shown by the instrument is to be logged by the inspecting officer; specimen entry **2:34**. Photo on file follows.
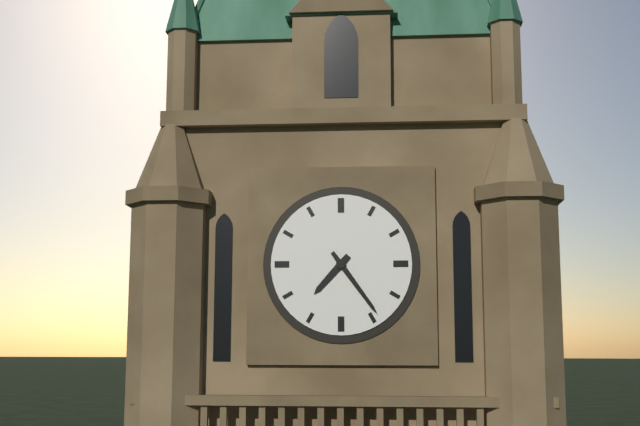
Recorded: **7:24**
